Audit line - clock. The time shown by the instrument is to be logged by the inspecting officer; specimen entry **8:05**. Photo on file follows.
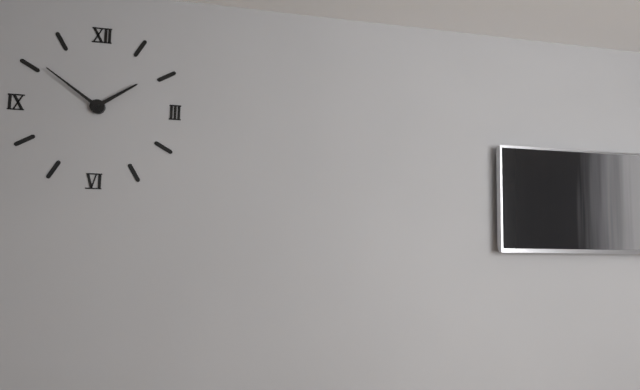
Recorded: **1:51**
